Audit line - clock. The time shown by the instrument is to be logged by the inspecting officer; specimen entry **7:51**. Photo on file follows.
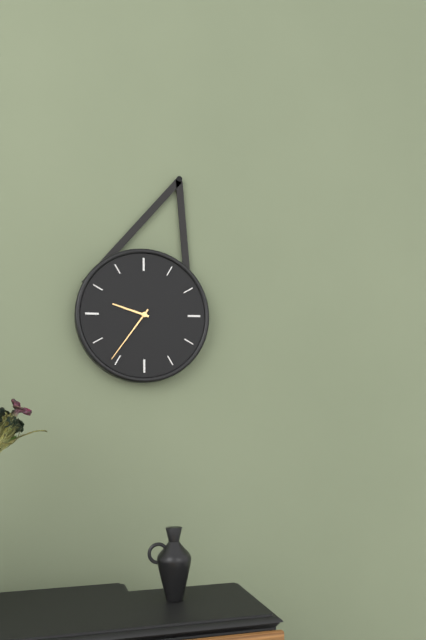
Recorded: **9:36**
